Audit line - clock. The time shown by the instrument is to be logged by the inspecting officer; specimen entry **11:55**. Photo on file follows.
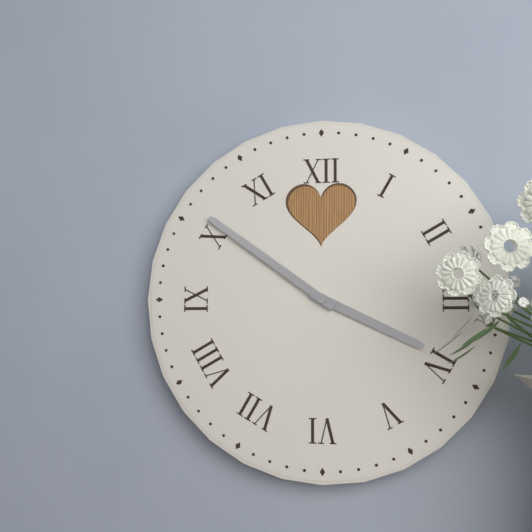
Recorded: **3:51**
